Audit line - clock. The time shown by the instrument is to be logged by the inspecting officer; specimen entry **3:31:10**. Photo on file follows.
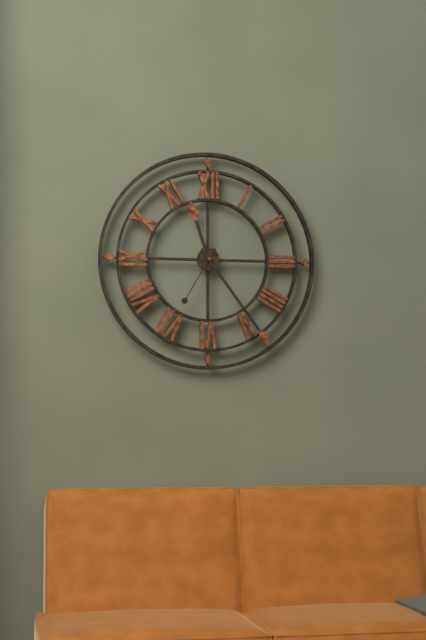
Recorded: **11:24:35**
